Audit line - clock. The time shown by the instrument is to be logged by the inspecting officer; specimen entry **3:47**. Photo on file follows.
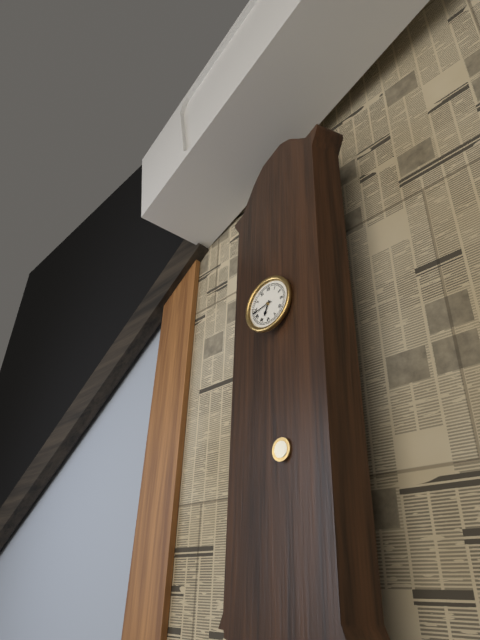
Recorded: **6:43**
